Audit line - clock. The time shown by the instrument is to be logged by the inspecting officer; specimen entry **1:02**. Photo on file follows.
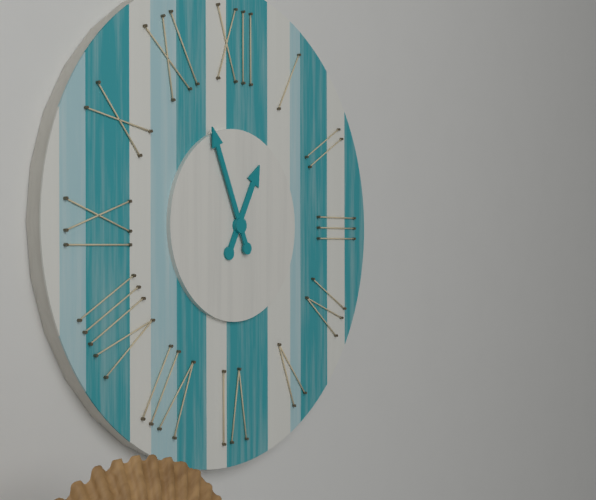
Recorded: **12:56**
